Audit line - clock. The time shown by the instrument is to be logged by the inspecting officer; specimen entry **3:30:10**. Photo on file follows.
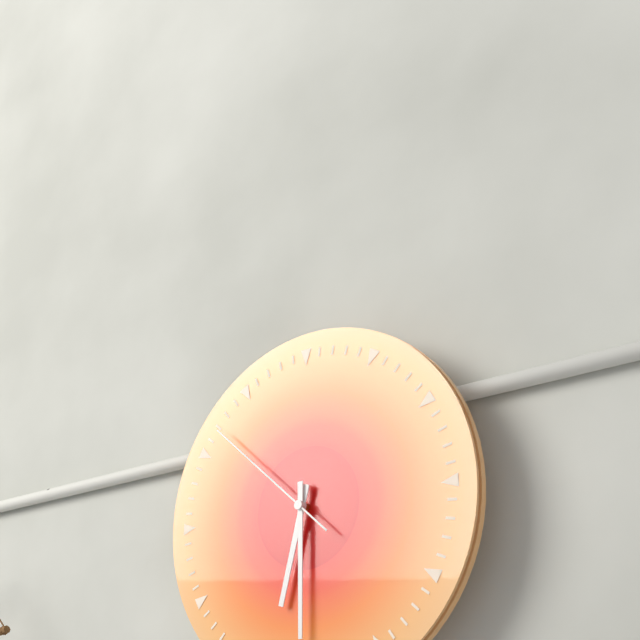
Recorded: **6:30:52**
